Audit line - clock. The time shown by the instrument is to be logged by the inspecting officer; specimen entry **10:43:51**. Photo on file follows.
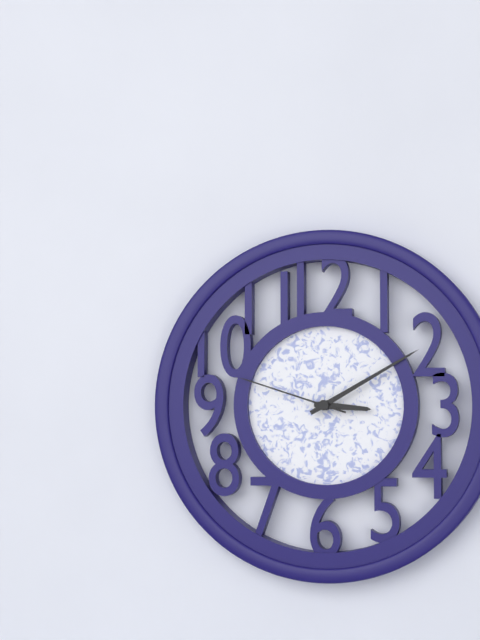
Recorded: **3:10:48**
